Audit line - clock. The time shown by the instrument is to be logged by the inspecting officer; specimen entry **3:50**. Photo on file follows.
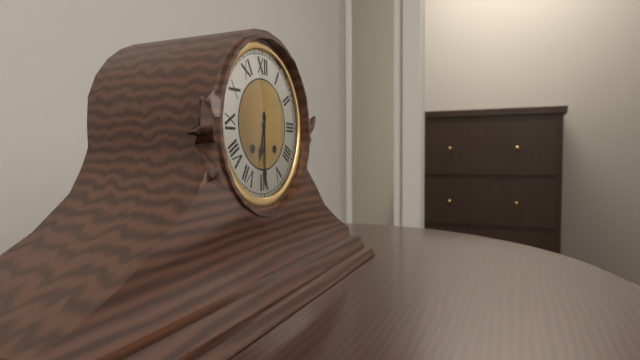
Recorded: **6:30**
